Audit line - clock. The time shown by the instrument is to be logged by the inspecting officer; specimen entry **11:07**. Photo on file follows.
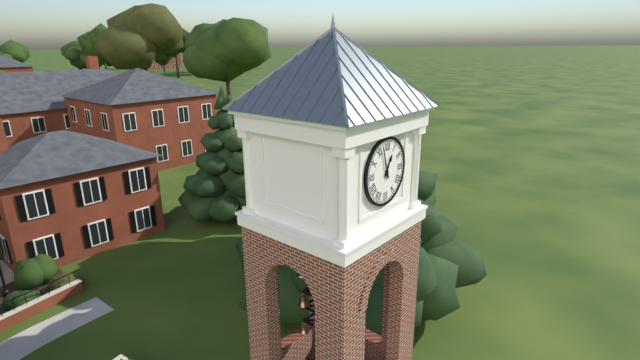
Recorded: **12:57**
